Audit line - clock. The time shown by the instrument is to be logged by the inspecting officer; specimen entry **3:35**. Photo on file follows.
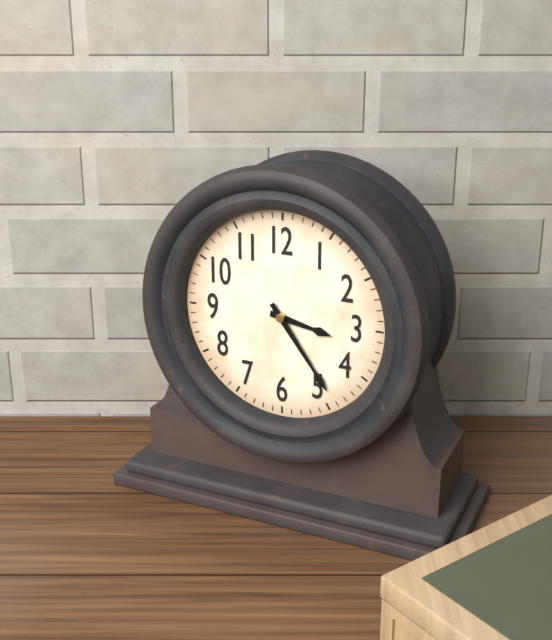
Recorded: **3:24**
